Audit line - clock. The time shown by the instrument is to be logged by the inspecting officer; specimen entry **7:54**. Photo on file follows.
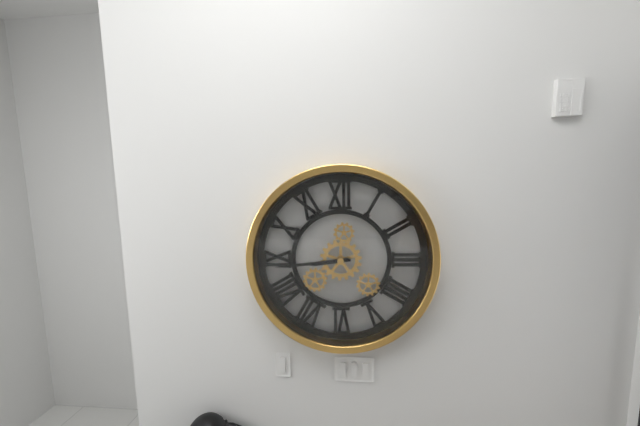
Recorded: **8:44**
